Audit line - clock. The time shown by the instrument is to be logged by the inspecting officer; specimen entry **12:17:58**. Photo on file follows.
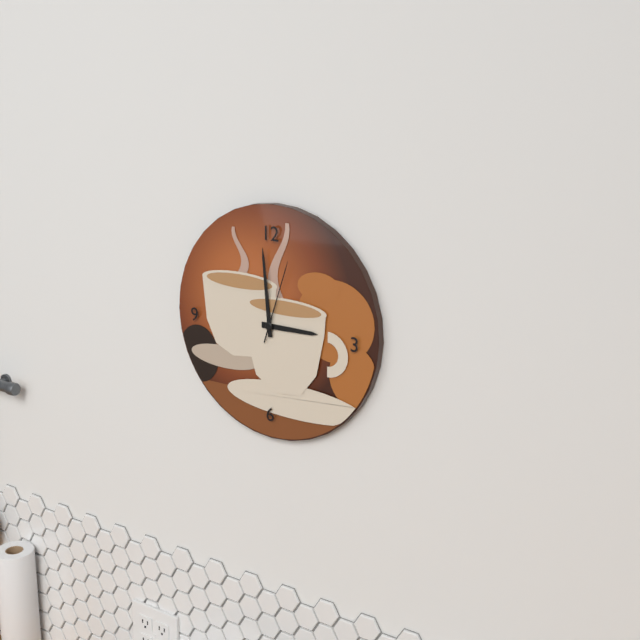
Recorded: **2:59:03**
